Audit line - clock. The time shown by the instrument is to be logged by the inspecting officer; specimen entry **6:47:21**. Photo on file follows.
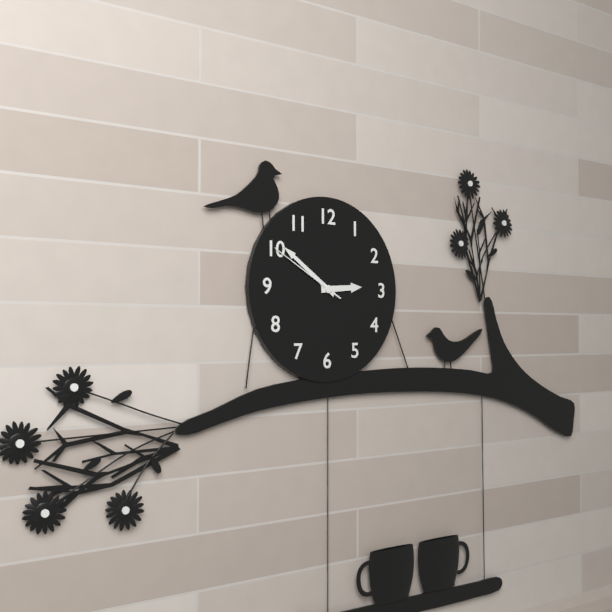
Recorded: **2:51:50**
